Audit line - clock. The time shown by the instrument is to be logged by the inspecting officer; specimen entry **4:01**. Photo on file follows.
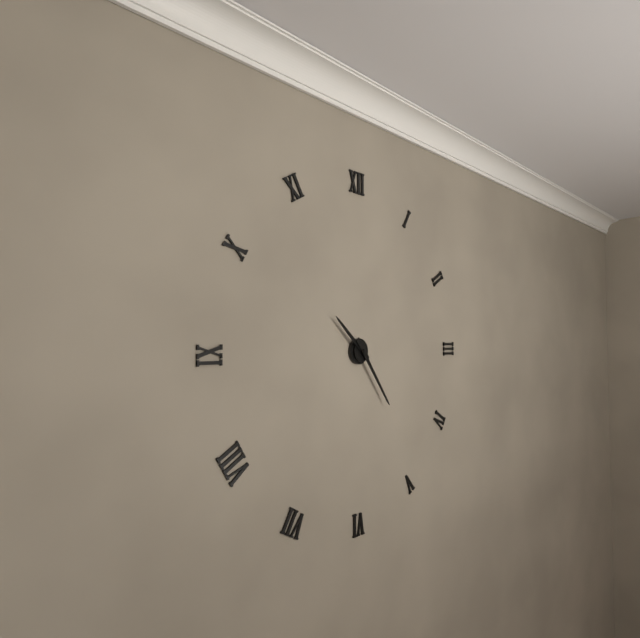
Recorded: **10:24**
